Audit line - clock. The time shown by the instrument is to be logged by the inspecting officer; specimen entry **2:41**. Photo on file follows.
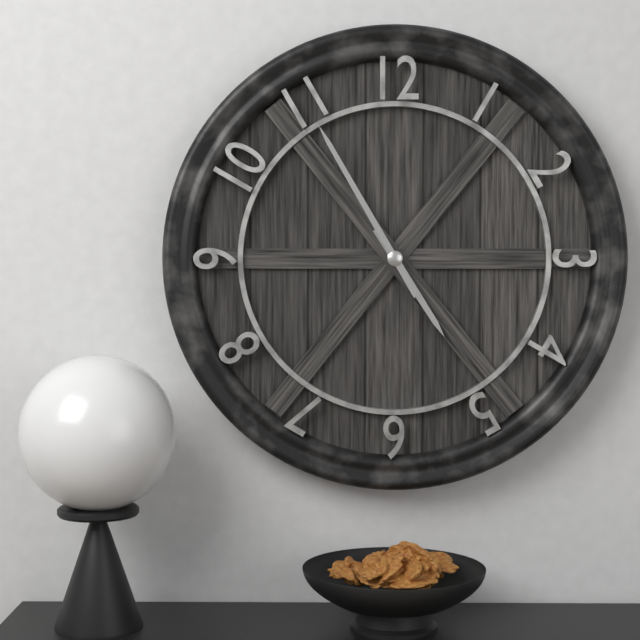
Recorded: **4:55**
